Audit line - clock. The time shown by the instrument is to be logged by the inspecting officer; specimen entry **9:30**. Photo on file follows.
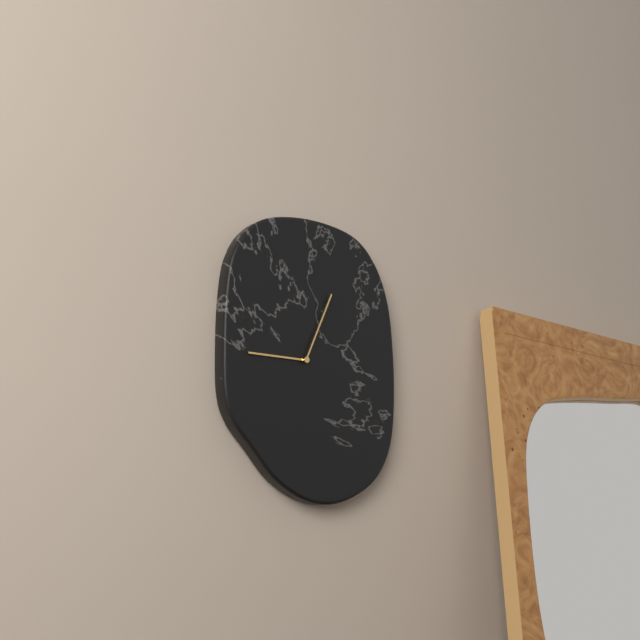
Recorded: **9:04**
